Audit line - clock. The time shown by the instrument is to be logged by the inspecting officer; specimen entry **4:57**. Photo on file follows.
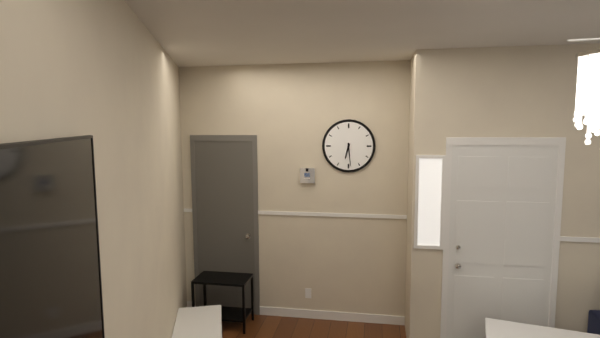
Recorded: **6:29**
